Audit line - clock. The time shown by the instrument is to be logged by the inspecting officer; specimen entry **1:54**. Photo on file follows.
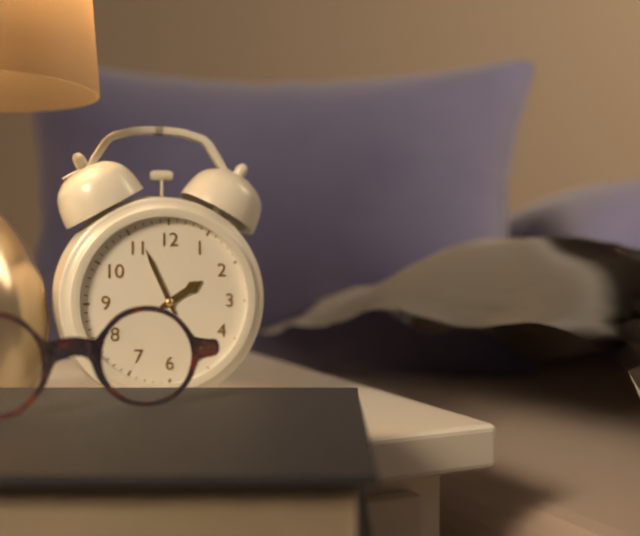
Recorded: **1:56**
